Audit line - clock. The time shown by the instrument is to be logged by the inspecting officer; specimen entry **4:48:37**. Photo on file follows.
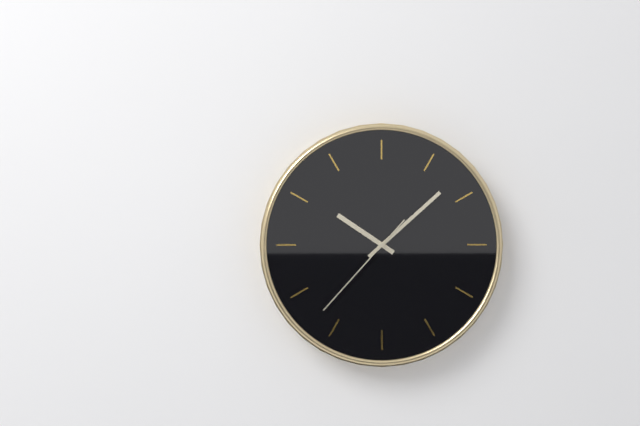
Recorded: **10:08:37**
